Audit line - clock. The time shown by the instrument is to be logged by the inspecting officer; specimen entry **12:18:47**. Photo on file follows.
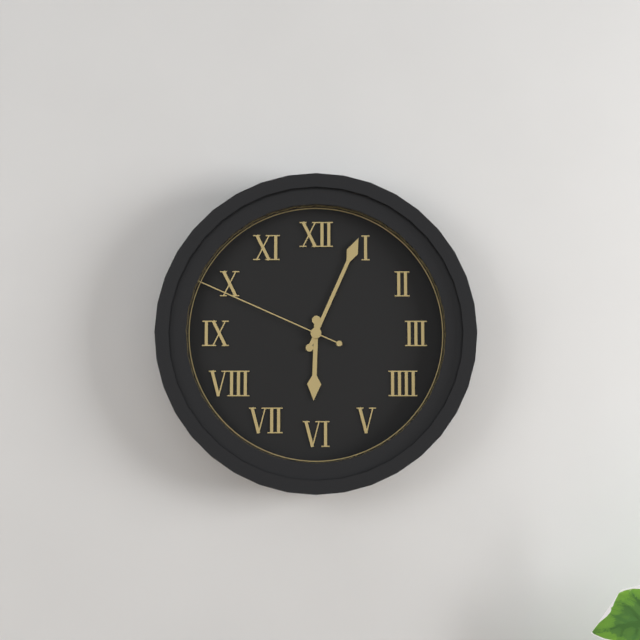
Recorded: **6:04:49**
